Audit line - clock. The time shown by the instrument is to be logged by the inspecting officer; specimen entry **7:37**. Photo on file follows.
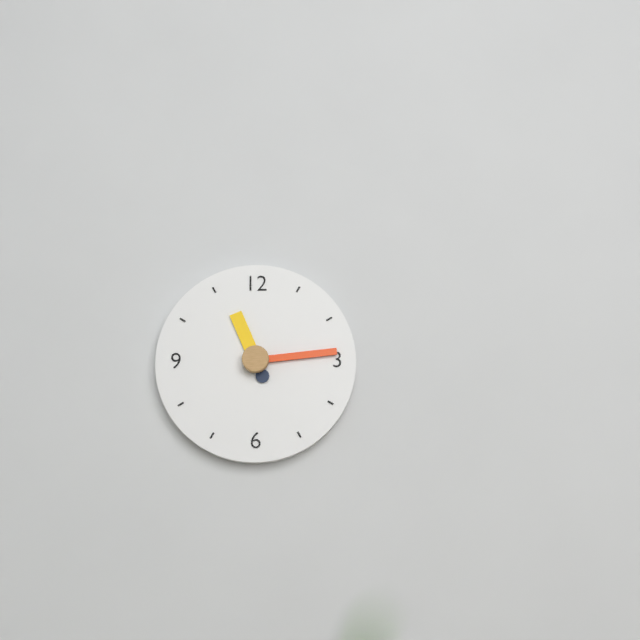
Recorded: **11:14**
